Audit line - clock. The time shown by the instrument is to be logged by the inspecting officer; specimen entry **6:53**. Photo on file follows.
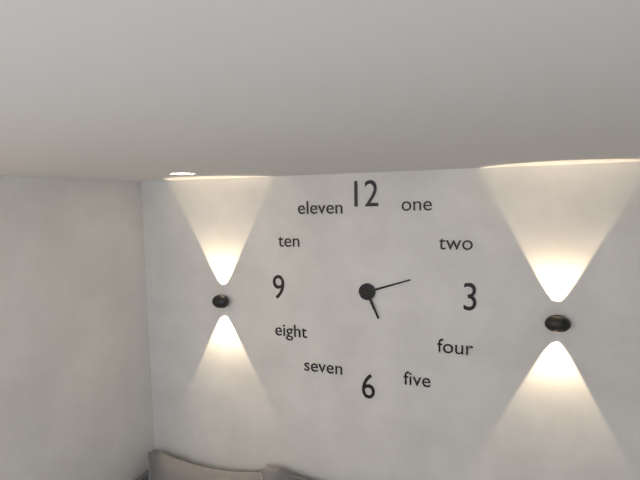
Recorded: **5:12**
